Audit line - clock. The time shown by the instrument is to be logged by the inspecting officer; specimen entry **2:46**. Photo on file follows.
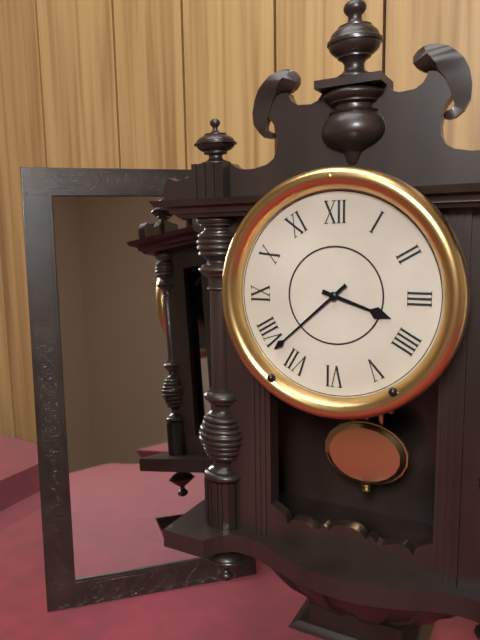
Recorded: **3:38**
